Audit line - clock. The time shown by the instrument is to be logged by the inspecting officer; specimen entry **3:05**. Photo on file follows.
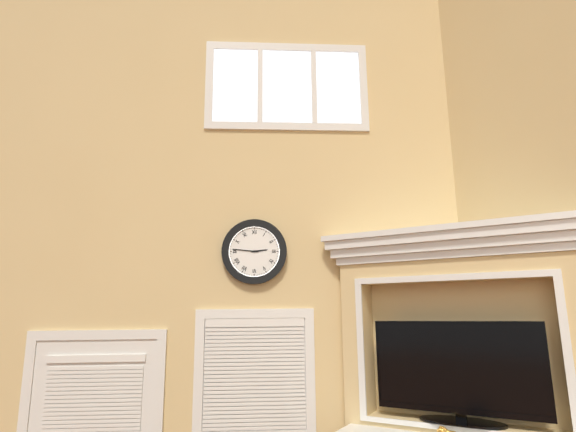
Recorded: **2:46**
